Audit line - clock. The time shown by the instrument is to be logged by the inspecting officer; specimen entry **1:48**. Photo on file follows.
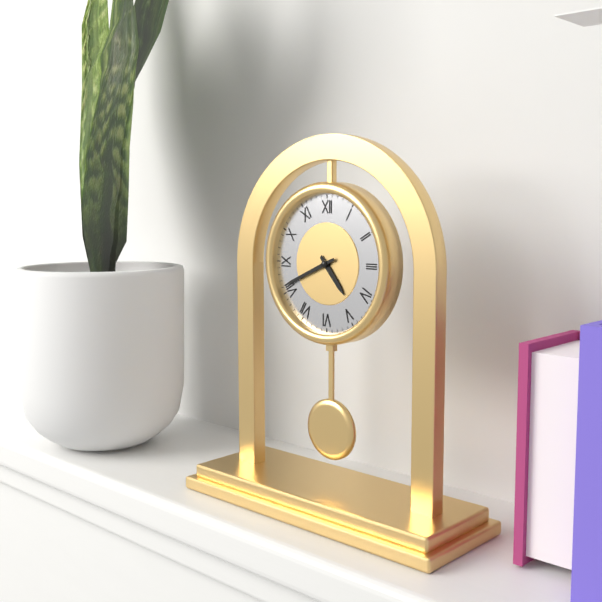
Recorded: **4:41**
